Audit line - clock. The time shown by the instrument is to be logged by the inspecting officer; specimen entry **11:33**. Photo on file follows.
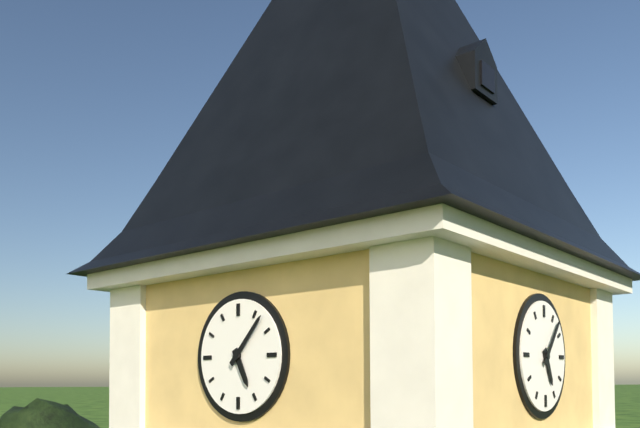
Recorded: **5:07**
